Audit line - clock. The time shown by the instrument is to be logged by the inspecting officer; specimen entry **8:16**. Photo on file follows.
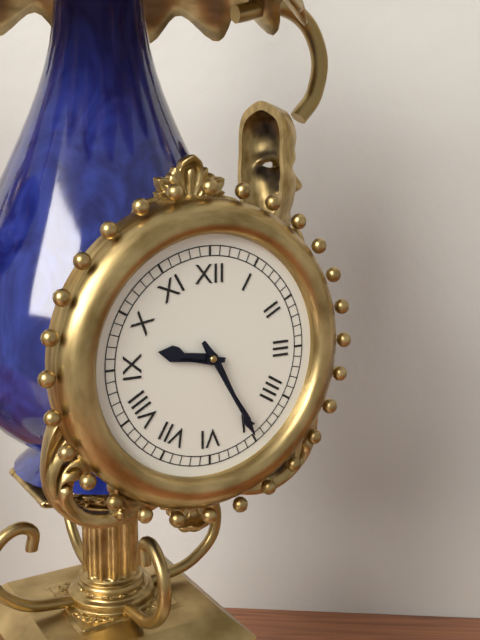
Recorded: **9:25**
